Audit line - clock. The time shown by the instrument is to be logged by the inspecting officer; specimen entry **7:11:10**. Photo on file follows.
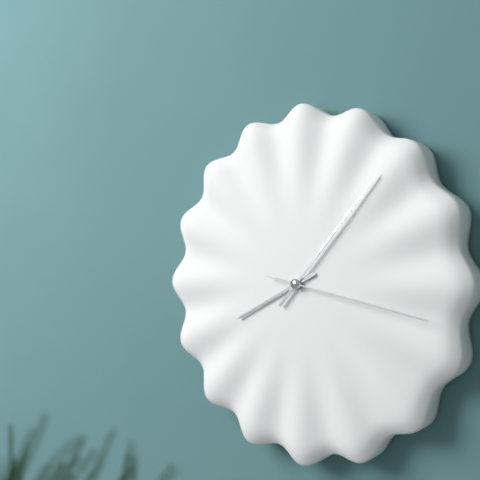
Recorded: **8:07:17**
